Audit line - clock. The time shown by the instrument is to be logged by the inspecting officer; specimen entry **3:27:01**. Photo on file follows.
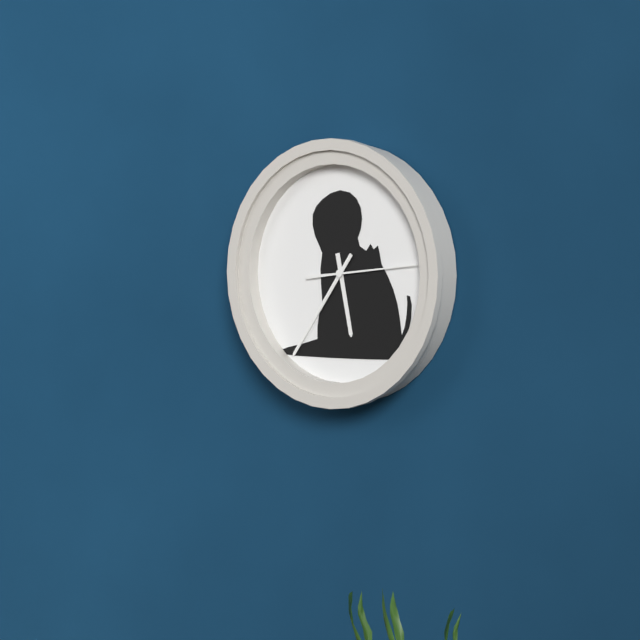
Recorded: **5:36:14**
